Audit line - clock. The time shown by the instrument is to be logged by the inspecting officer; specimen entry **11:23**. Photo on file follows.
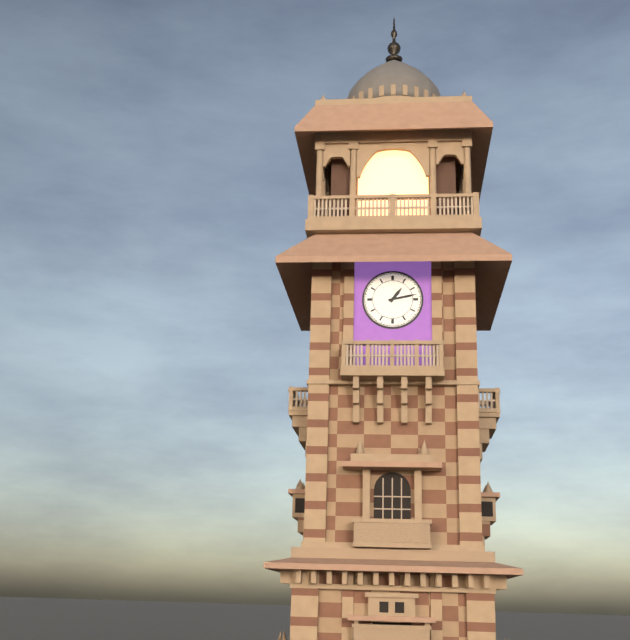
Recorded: **1:13**
